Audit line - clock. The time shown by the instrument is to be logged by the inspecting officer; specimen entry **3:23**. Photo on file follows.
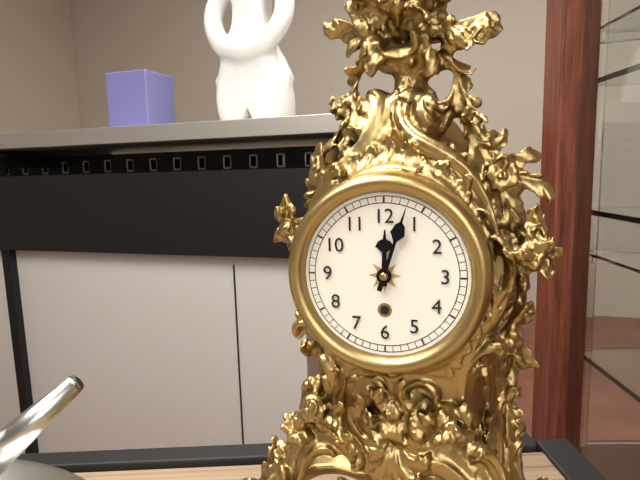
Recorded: **12:03**
